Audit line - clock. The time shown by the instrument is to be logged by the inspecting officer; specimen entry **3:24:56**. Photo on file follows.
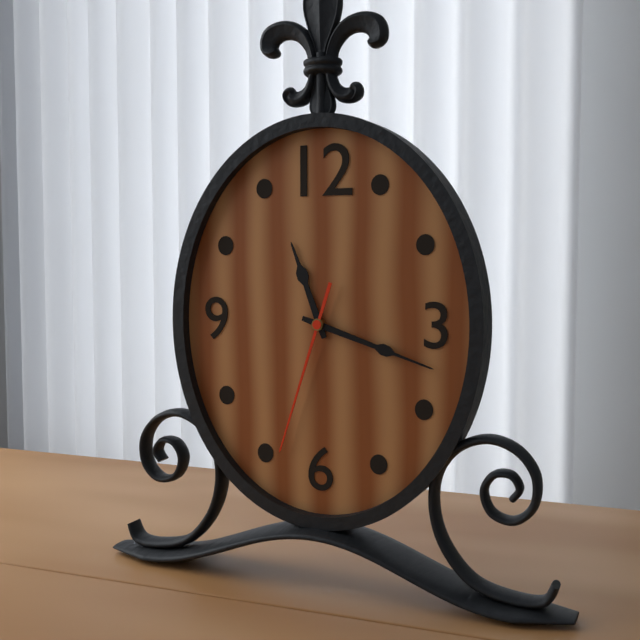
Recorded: **11:18:33**
